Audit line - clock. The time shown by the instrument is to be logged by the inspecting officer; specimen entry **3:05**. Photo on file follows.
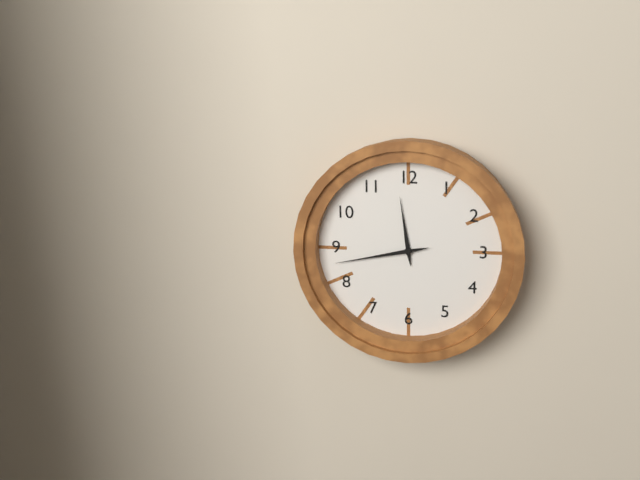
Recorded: **11:43**
